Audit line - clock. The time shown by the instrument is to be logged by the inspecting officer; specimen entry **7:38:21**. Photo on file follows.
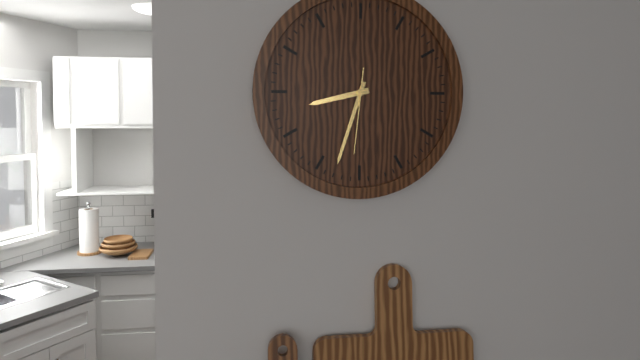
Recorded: **8:33:31**
